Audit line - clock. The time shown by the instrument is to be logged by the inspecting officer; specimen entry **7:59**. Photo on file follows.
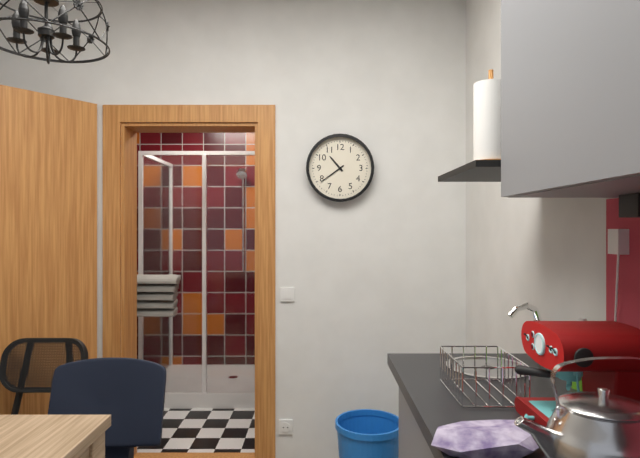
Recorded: **10:39**
